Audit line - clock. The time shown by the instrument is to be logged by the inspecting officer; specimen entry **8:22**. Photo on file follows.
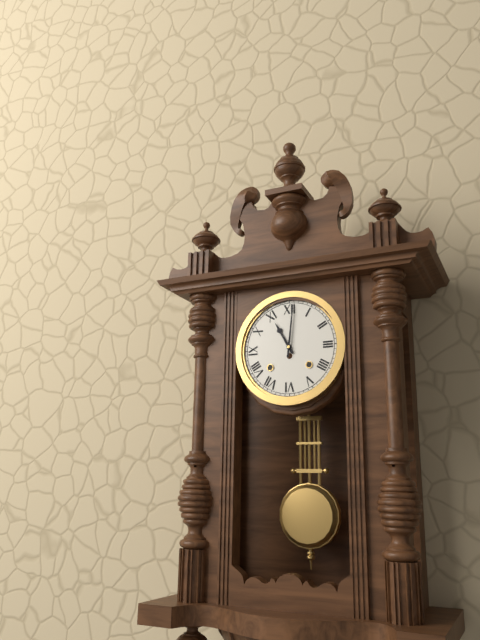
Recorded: **11:01**
